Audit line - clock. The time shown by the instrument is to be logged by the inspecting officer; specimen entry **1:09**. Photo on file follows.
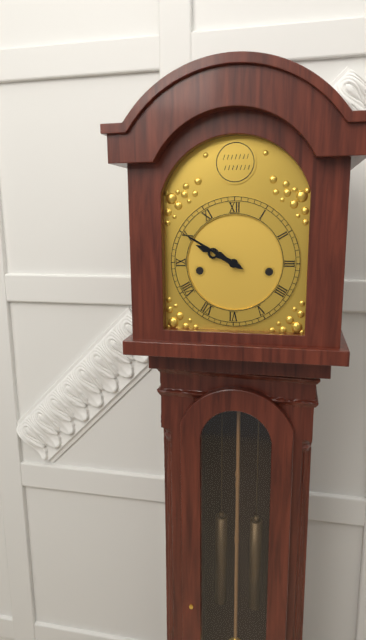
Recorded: **9:50**
